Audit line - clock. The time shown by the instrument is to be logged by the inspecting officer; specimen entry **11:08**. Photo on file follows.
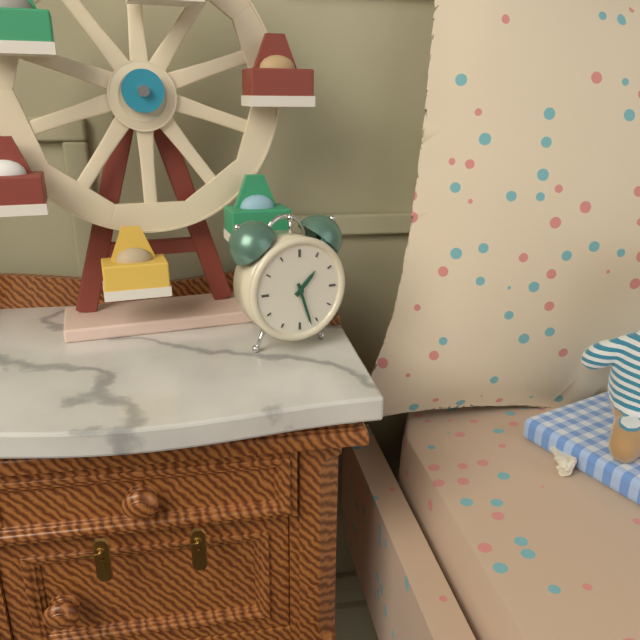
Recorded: **1:27**
